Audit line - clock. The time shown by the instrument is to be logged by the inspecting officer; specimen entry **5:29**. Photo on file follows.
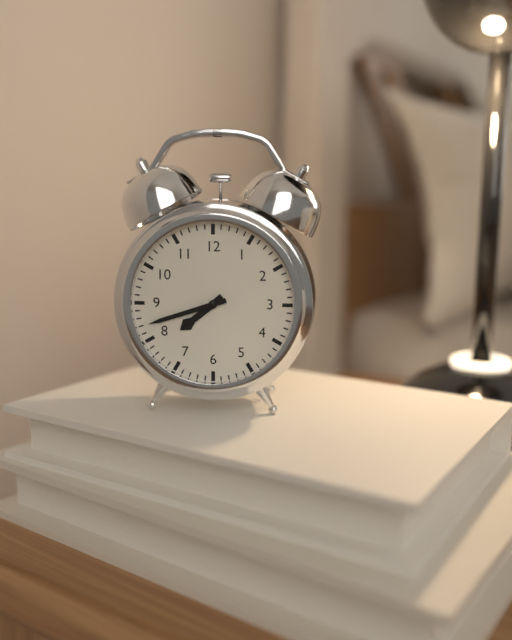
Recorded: **7:42**
